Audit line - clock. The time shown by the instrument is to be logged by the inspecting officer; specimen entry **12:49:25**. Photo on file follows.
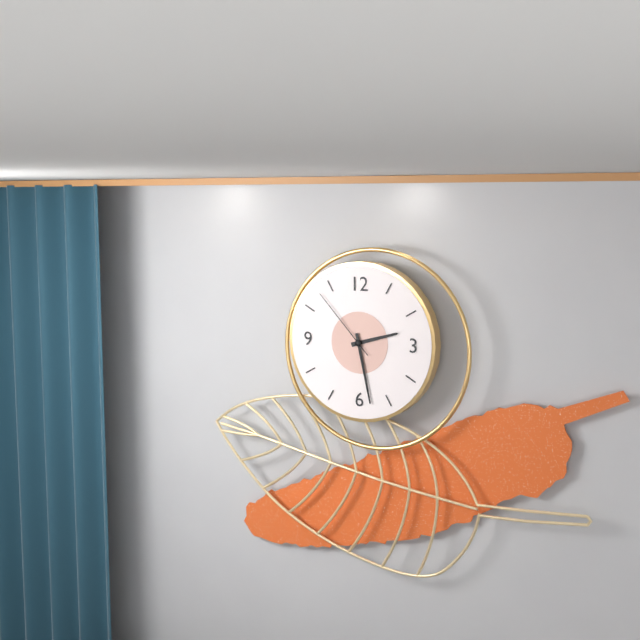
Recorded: **2:28:53**
